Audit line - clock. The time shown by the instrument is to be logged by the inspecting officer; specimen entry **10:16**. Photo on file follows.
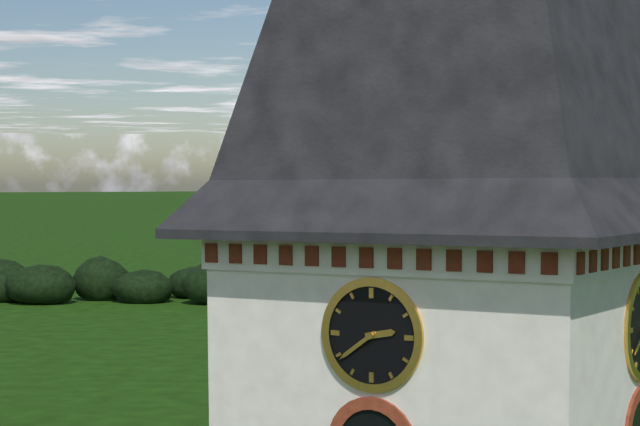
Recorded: **2:39**
